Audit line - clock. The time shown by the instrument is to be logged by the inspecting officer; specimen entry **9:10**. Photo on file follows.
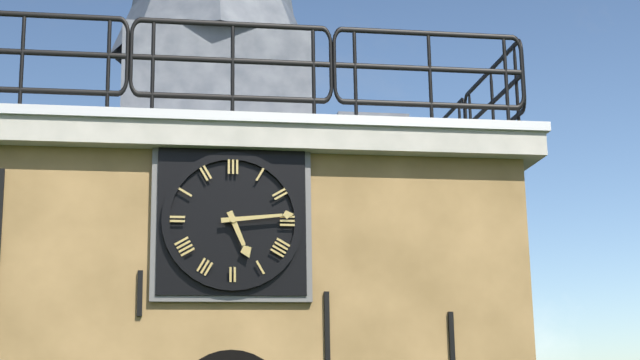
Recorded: **5:14**
